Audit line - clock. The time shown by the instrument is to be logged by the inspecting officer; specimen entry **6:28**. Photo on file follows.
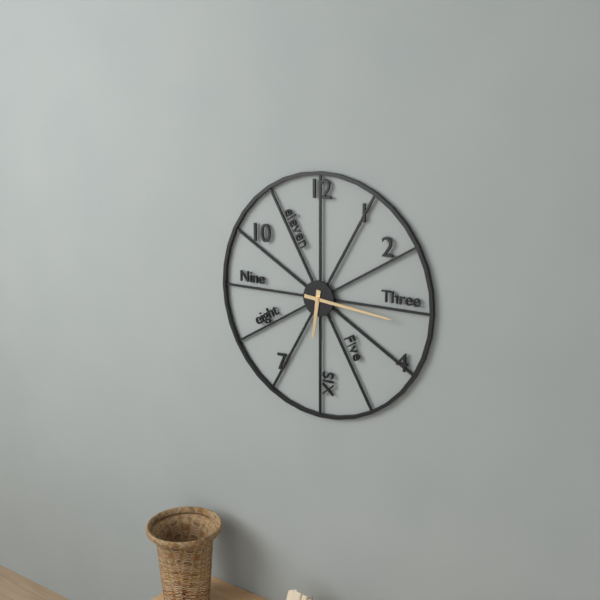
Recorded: **6:16**
